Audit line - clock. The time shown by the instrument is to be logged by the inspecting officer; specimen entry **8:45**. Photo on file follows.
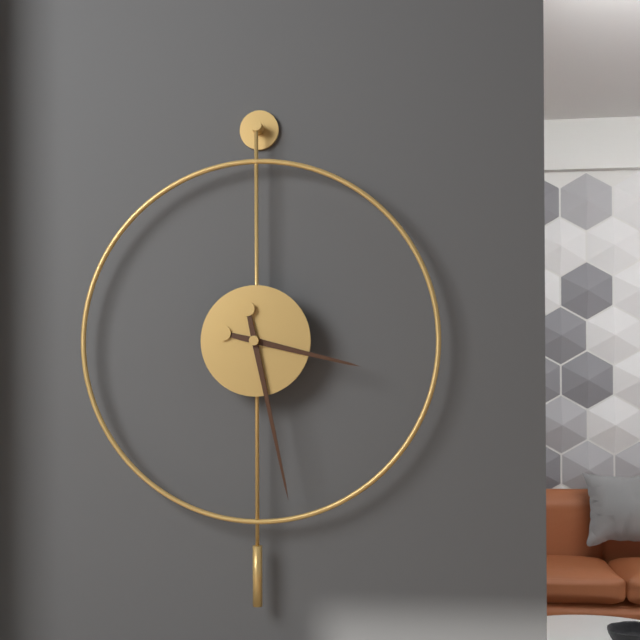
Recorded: **3:28**
